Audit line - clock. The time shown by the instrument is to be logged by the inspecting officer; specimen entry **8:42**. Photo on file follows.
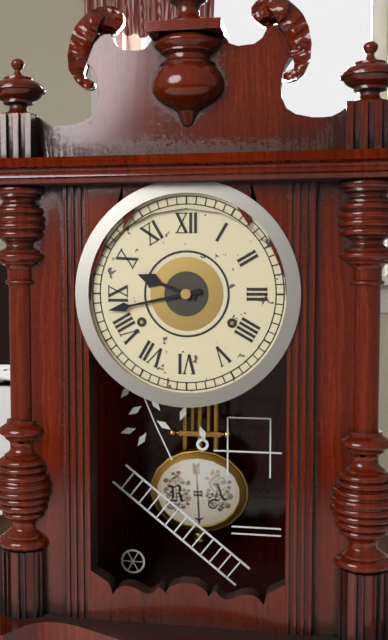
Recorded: **9:43**
